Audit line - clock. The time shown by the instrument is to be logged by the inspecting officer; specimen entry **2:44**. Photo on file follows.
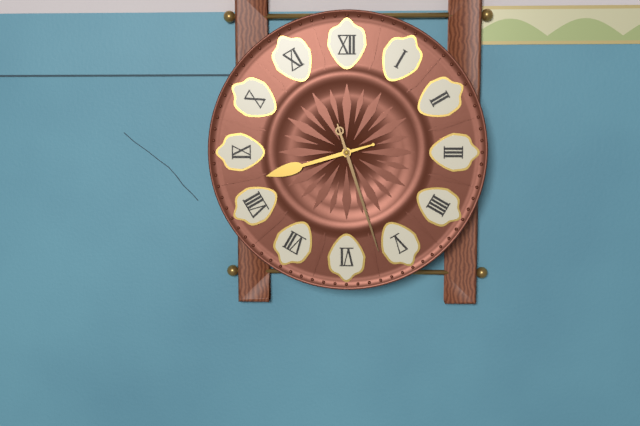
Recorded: **8:27**
